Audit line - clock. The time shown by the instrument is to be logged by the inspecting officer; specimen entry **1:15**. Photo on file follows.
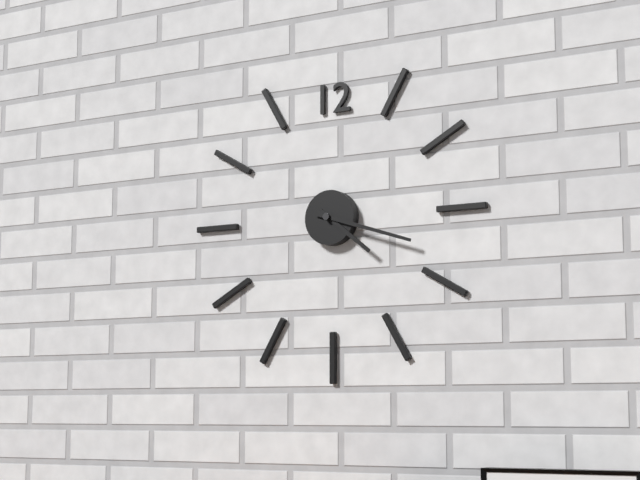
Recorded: **4:18**
